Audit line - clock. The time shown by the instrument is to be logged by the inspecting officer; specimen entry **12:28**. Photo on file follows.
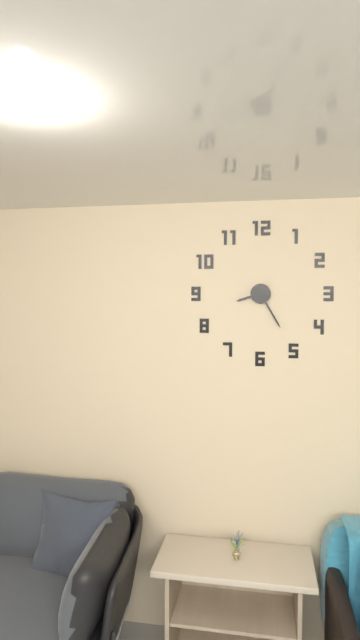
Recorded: **8:25**
